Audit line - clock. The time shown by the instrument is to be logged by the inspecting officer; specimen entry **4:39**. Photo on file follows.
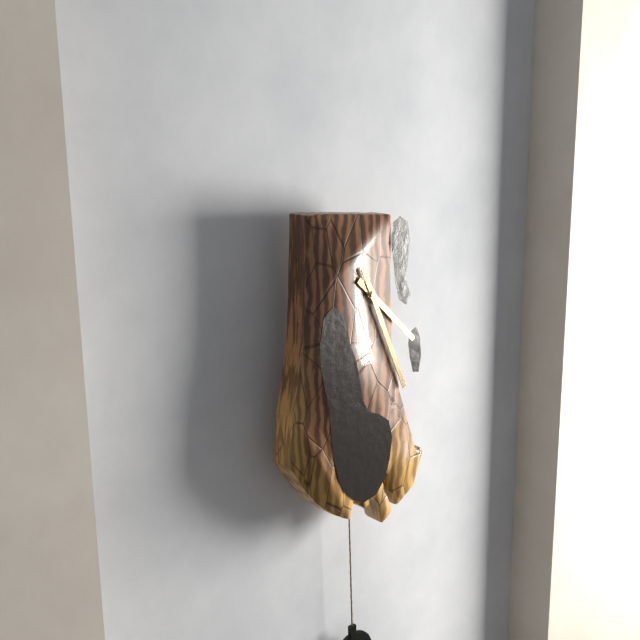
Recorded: **4:26**
